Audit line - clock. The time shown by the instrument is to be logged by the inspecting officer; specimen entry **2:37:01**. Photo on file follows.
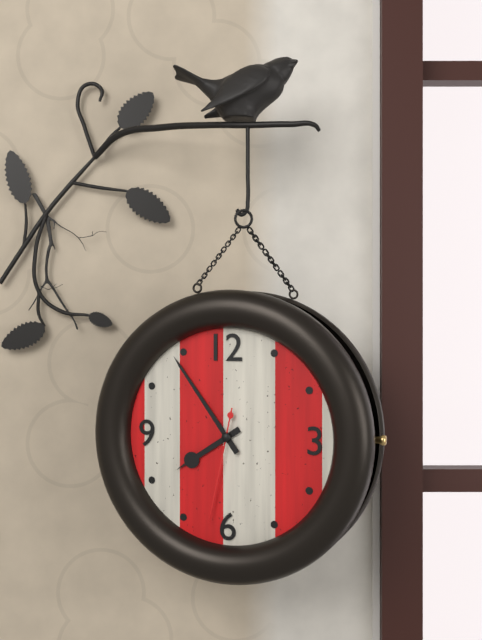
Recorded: **7:54:32**
